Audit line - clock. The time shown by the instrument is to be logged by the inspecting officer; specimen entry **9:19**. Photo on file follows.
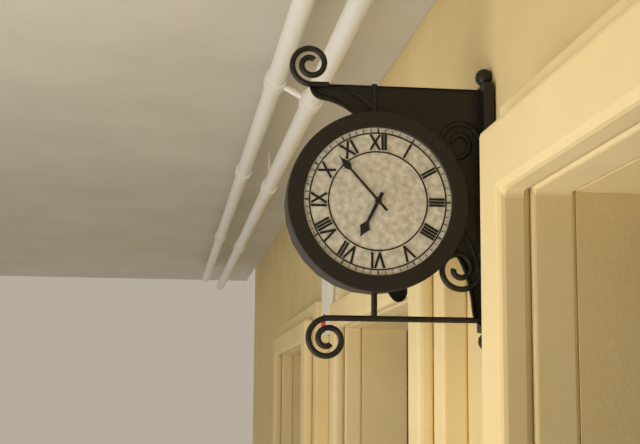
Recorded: **6:53**
